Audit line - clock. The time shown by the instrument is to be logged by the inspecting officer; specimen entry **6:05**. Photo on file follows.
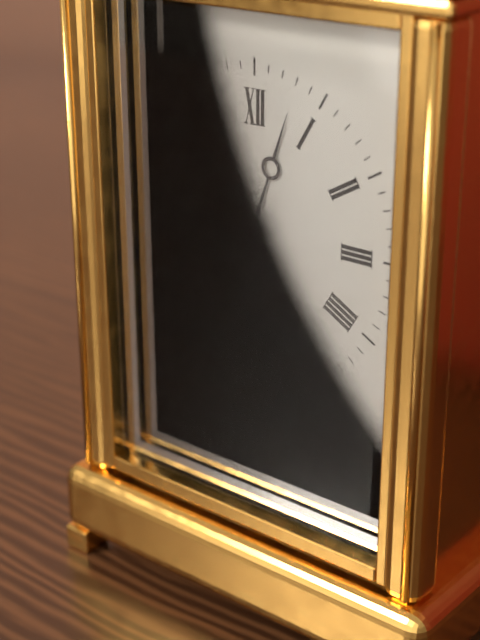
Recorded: **12:37**
